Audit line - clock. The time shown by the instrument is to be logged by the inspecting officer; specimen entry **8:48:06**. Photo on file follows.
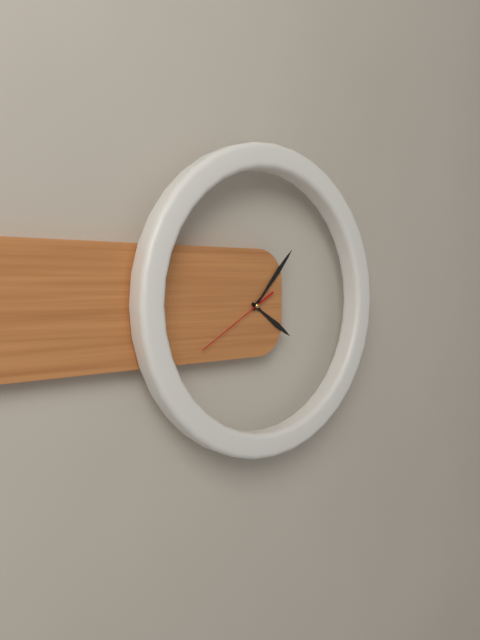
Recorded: **4:07:40**
